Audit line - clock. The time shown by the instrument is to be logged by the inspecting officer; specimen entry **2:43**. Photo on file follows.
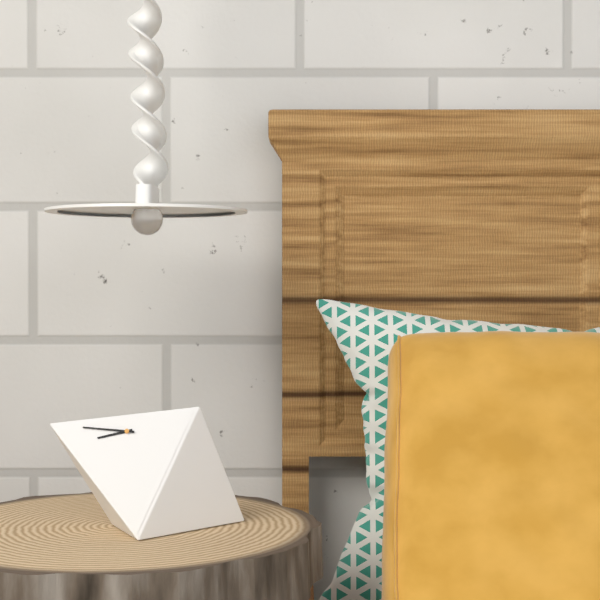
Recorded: **8:47**
